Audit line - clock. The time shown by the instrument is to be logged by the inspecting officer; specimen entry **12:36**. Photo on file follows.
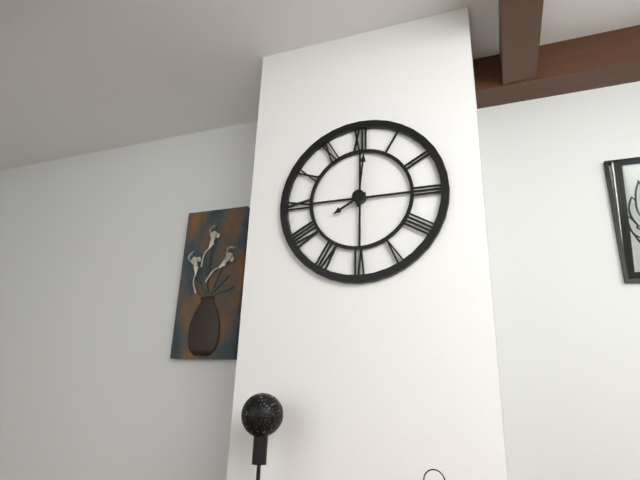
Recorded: **8:01**
